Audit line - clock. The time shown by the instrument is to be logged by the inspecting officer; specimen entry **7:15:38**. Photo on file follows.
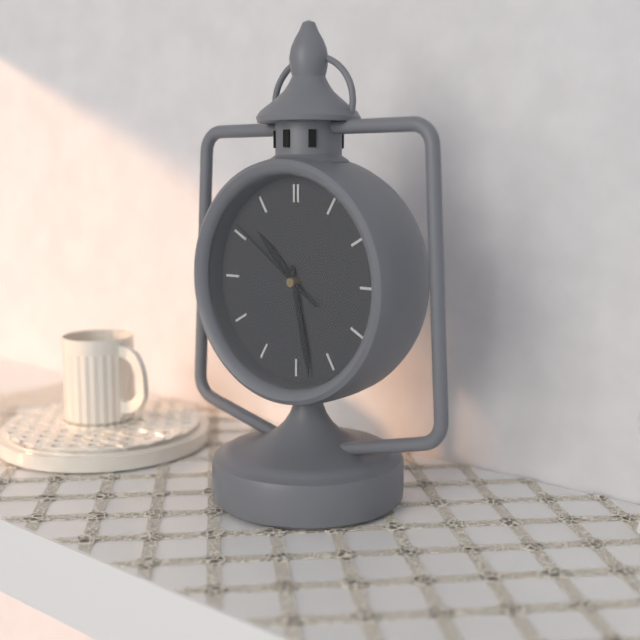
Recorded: **10:28:51**
